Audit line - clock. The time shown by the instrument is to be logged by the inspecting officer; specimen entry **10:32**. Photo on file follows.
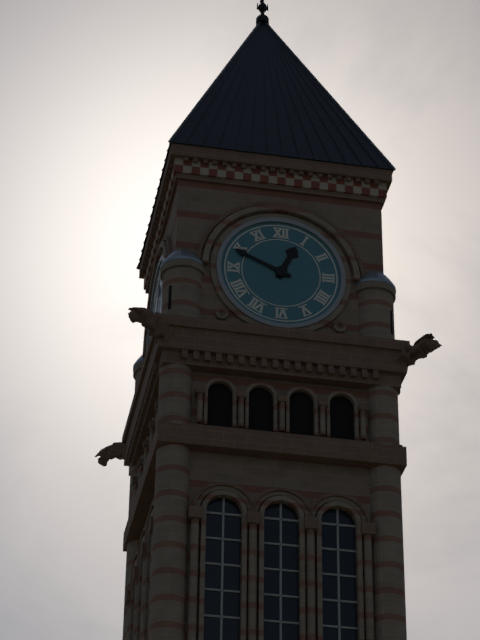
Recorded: **12:49**
